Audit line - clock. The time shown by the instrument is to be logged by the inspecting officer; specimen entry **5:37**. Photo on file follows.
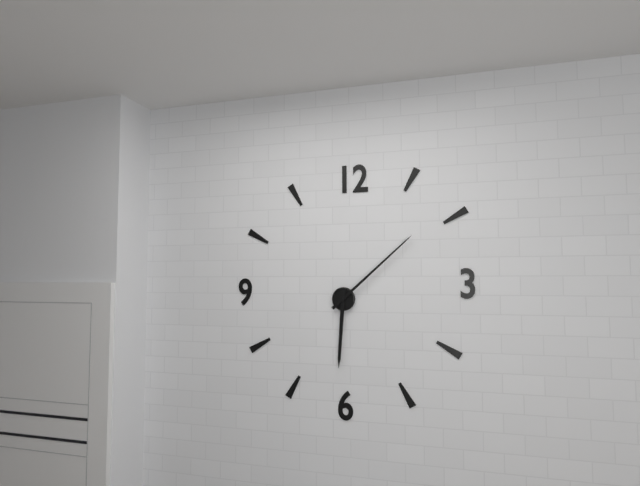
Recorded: **6:08**
